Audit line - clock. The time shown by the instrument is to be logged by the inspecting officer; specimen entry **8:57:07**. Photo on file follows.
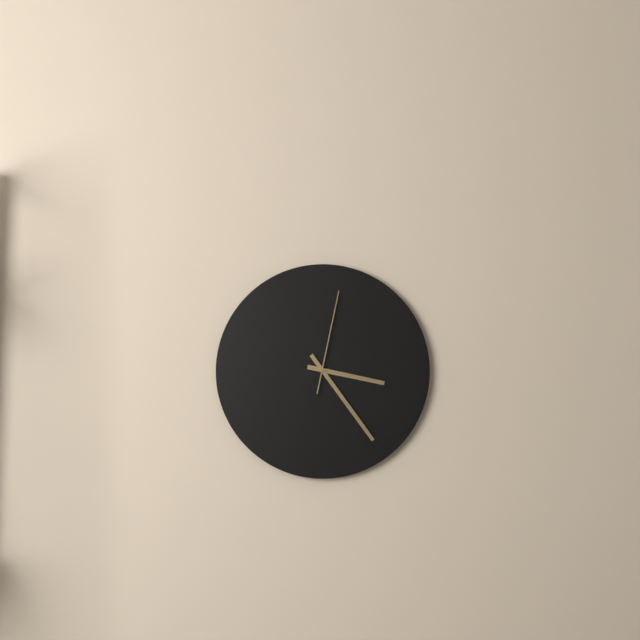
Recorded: **3:24:02**
